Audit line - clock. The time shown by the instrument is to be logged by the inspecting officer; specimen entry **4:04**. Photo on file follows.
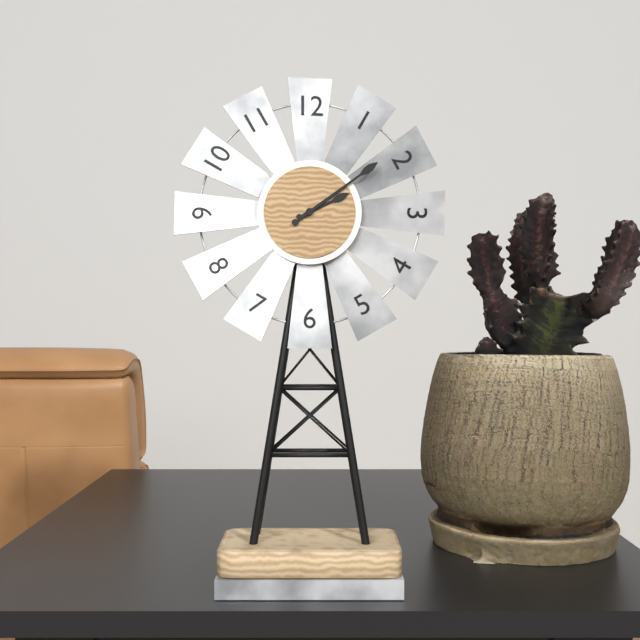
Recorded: **2:09**
